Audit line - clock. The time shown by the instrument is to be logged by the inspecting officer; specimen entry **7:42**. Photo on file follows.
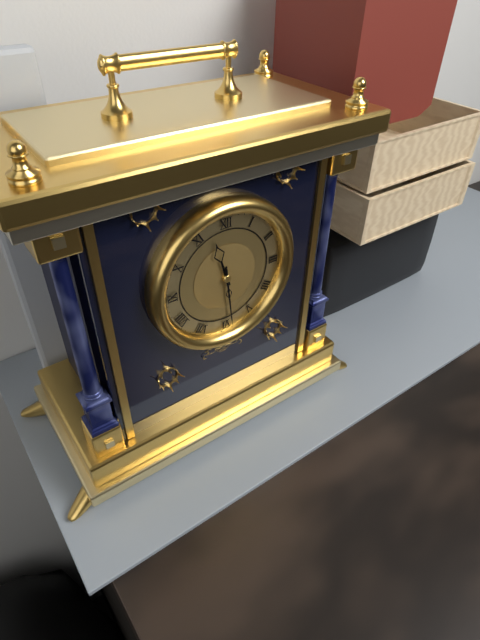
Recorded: **11:29**
